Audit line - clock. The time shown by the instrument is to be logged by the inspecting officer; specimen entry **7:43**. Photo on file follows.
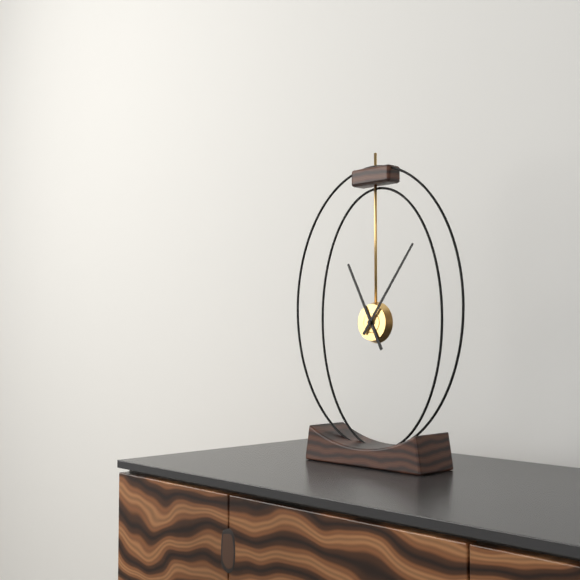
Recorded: **11:06**
